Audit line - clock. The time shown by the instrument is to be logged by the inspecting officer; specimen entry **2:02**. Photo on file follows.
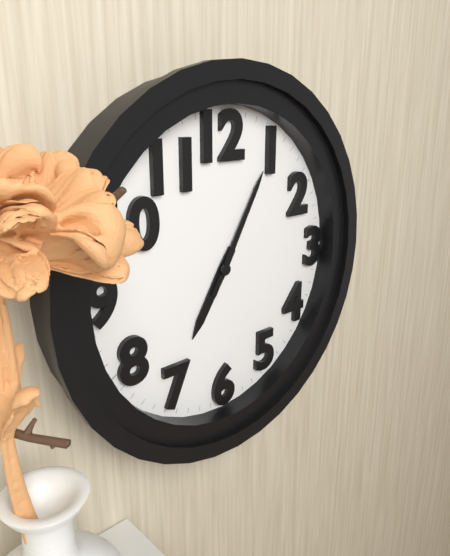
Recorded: **7:05**
